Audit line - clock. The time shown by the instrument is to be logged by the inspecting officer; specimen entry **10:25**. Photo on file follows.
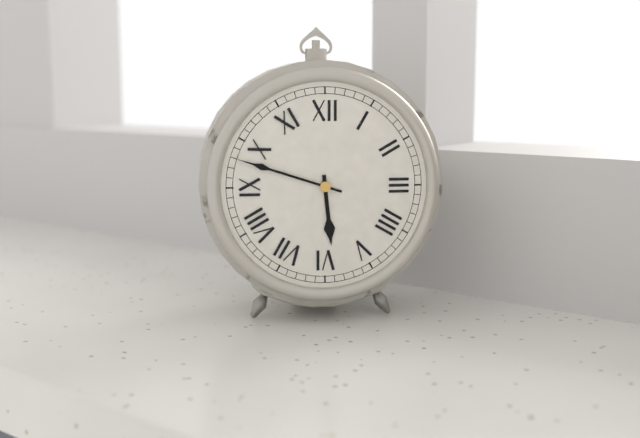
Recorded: **5:48**
